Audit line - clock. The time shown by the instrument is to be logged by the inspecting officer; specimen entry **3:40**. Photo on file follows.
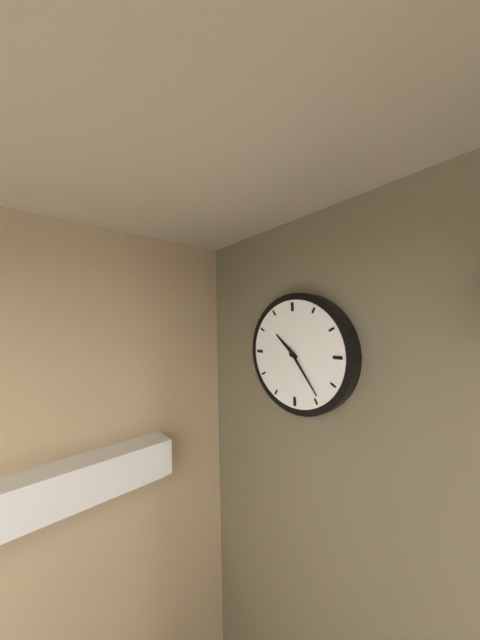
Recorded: **10:24**
